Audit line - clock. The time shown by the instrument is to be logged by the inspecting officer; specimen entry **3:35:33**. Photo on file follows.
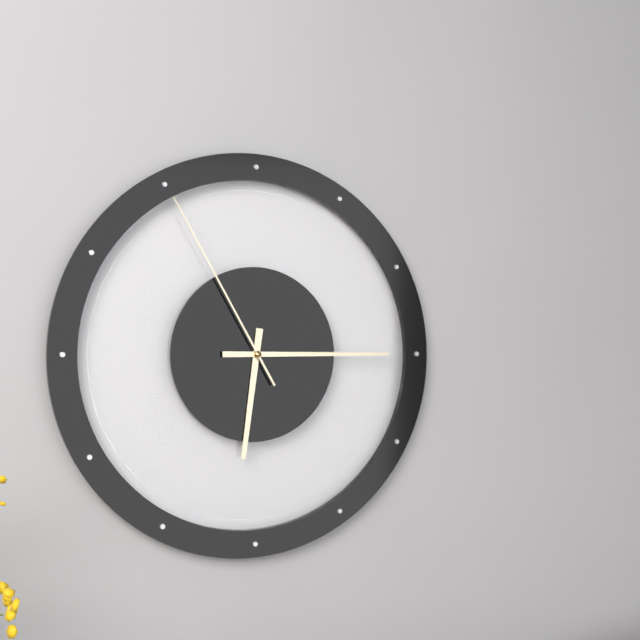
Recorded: **6:15:55**
